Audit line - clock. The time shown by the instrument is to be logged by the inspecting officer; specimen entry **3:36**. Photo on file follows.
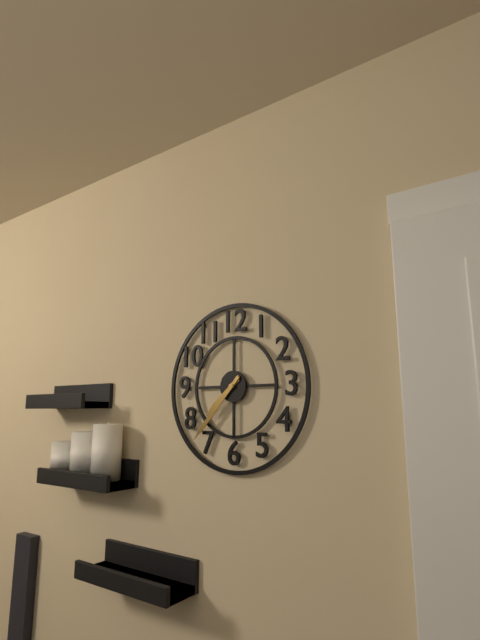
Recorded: **7:37**
